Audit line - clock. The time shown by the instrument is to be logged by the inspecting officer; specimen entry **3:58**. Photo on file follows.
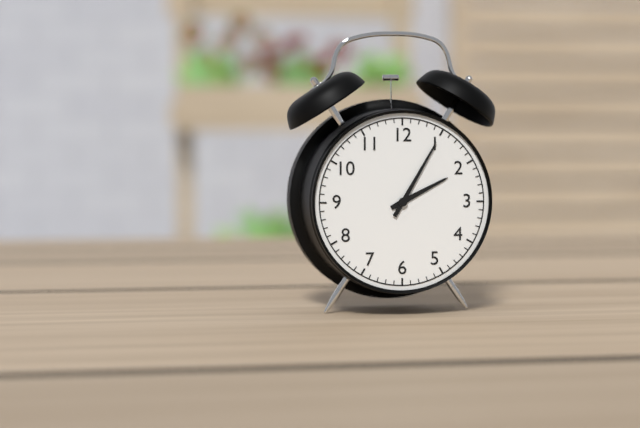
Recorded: **2:05**
